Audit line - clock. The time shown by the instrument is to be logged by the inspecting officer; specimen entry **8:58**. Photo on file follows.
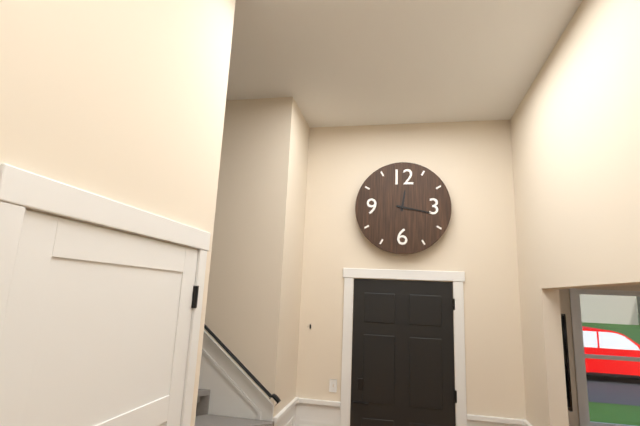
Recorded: **12:17**
